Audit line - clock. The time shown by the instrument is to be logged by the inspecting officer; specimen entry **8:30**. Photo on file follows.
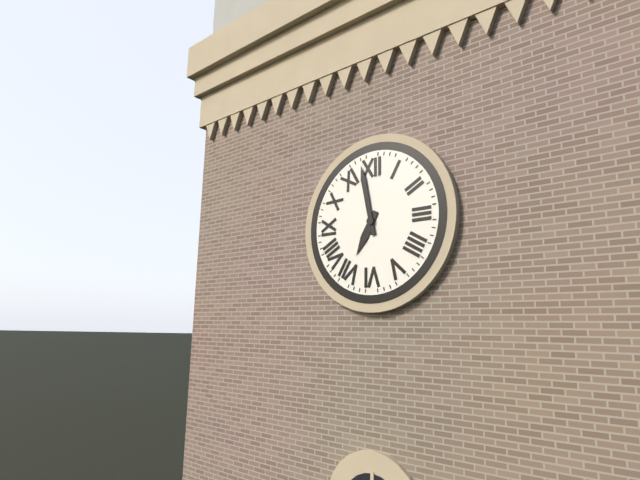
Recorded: **6:58**
